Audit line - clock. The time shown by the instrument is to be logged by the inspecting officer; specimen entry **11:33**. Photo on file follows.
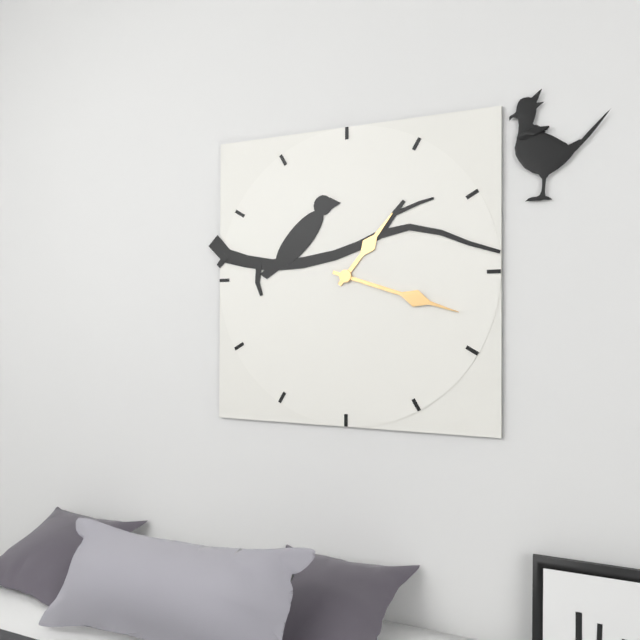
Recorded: **1:18**
